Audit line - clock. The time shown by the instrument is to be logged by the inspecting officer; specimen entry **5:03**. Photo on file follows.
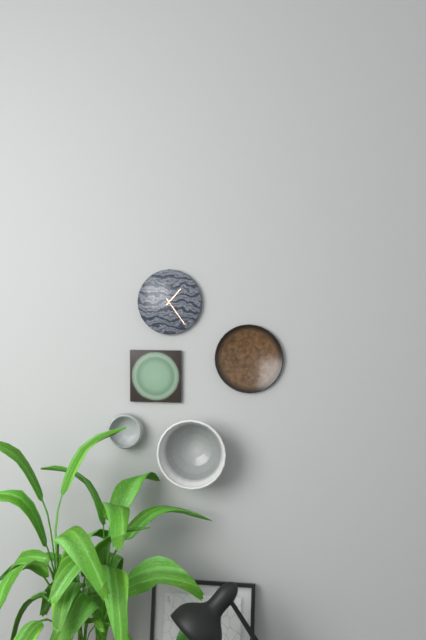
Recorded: **1:24**
